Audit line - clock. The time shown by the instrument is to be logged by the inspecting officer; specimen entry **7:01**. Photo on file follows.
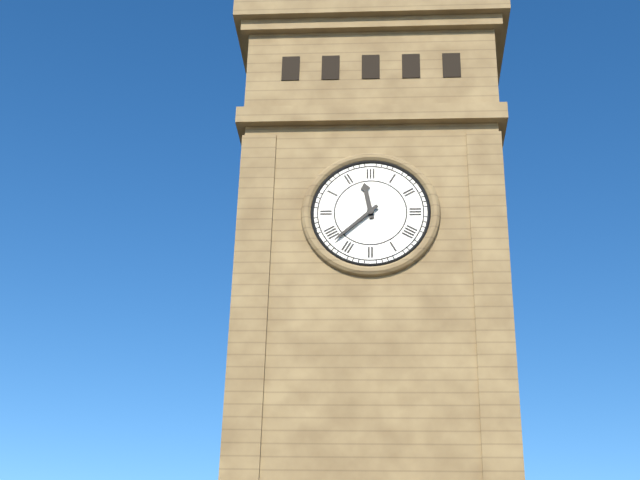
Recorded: **11:38**
